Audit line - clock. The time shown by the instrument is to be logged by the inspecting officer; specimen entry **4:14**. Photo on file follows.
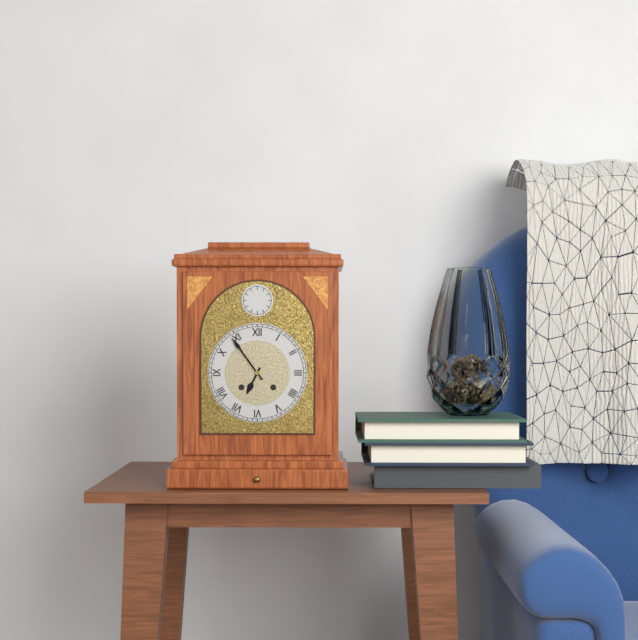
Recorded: **6:54**
